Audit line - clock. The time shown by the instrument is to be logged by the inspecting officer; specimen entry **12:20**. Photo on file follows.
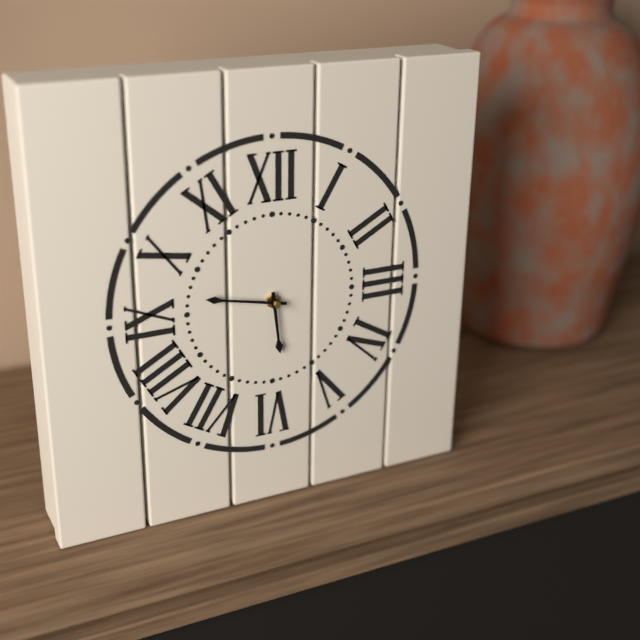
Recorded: **5:47**
